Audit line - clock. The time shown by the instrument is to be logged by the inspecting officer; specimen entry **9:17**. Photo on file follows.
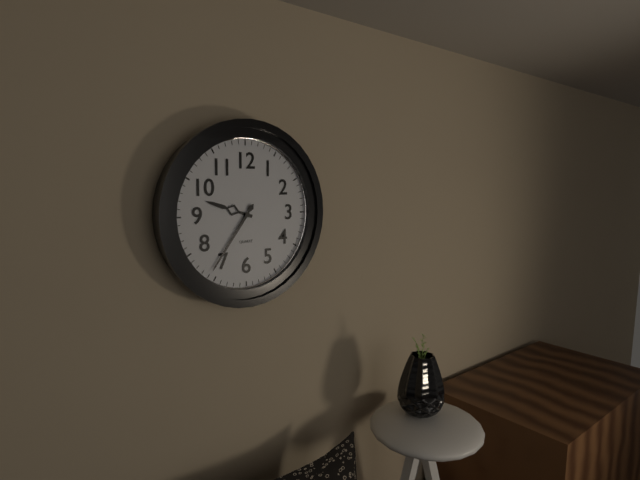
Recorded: **9:36**
